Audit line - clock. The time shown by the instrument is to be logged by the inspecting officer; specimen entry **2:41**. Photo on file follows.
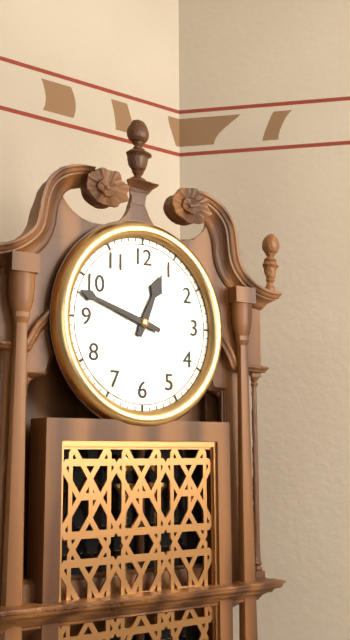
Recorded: **12:48**
